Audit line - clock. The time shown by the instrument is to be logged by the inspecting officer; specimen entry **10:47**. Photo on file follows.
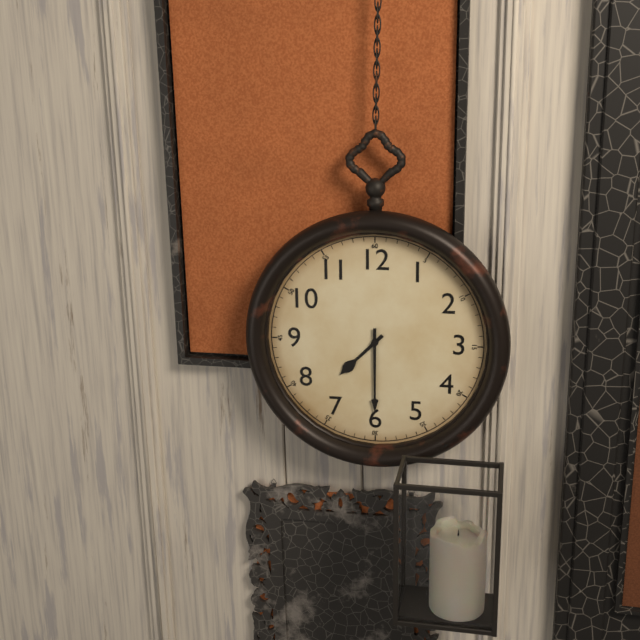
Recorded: **7:30**
